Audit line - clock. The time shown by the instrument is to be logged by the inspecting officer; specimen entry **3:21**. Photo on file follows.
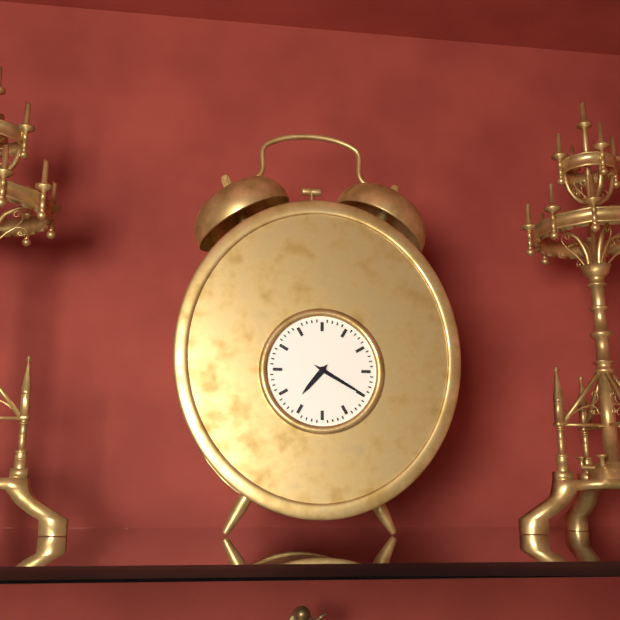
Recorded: **7:20**
